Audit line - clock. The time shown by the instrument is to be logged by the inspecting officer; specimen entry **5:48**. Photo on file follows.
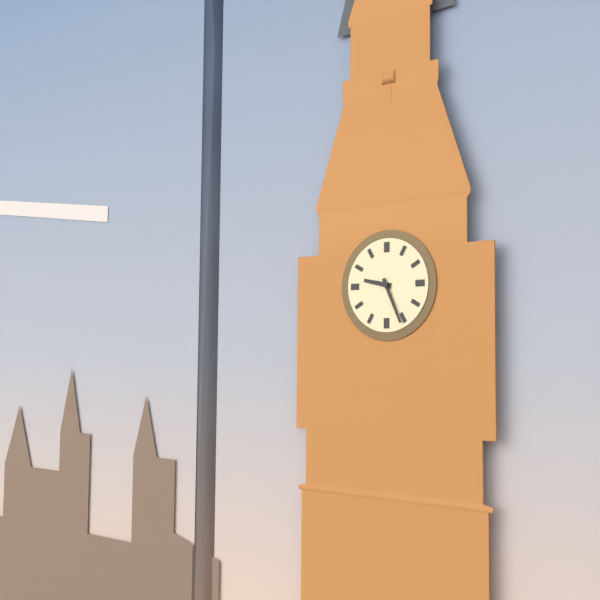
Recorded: **9:26**
